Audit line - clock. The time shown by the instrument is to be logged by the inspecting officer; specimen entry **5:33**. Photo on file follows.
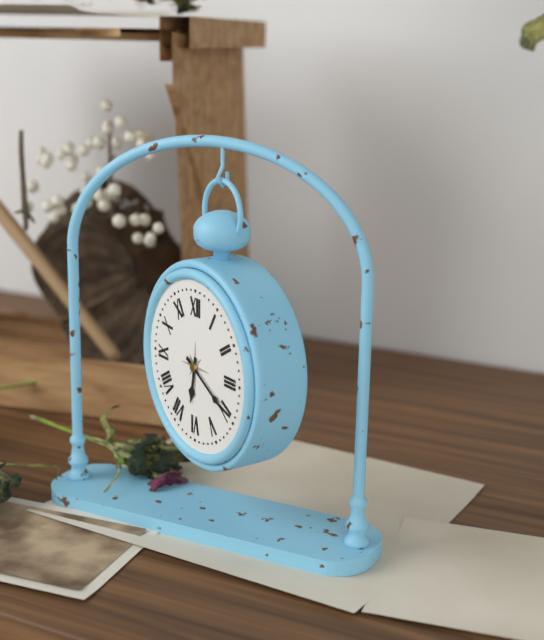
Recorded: **6:20**
